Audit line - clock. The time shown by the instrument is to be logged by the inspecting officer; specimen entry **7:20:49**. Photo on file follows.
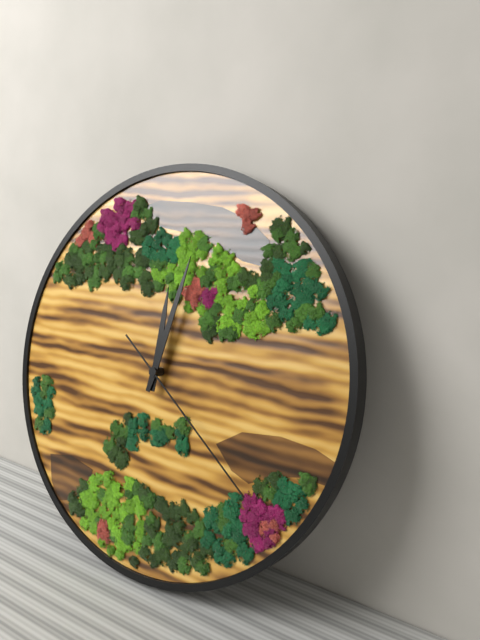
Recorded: **12:02:21**
